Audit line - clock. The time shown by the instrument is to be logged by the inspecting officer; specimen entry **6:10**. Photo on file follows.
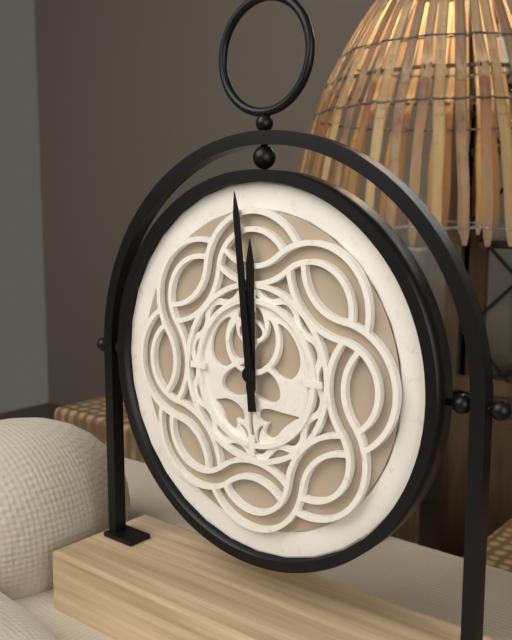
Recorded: **11:59**
